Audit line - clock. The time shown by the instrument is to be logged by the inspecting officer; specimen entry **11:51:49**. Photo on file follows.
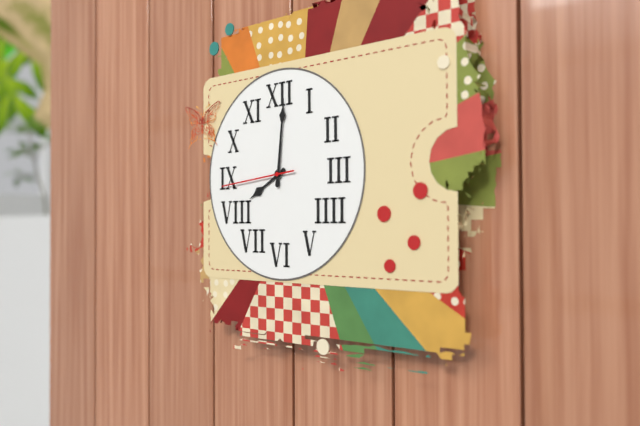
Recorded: **8:01:44**
